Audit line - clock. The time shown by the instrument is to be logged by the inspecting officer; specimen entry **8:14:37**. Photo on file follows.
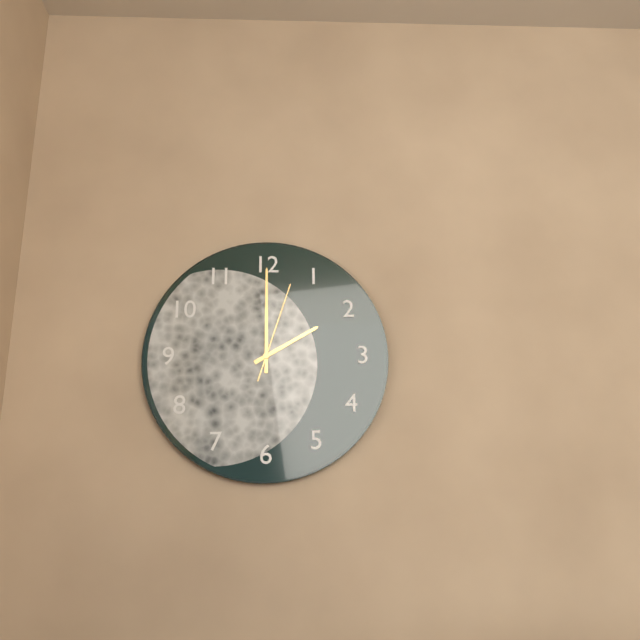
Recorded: **2:00:03**
